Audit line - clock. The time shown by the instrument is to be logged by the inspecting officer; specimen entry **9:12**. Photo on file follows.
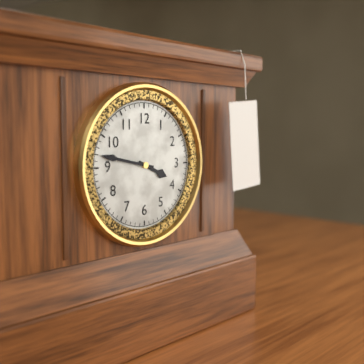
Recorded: **3:47**
